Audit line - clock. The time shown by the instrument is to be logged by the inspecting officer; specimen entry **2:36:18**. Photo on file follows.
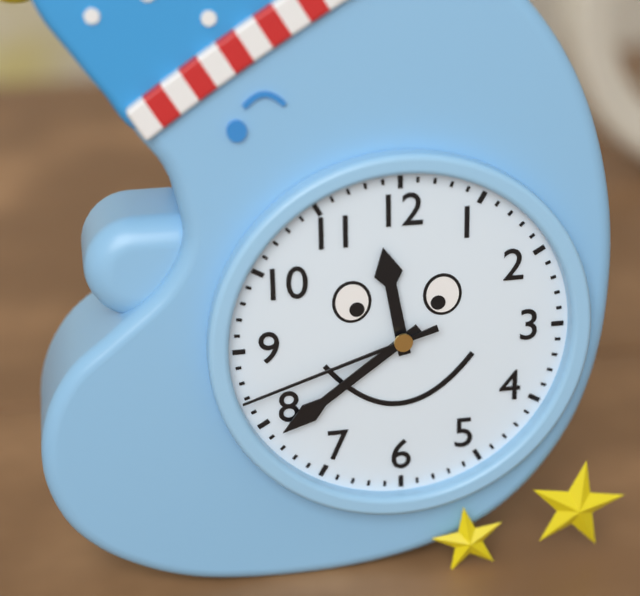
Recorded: **11:39:42**
